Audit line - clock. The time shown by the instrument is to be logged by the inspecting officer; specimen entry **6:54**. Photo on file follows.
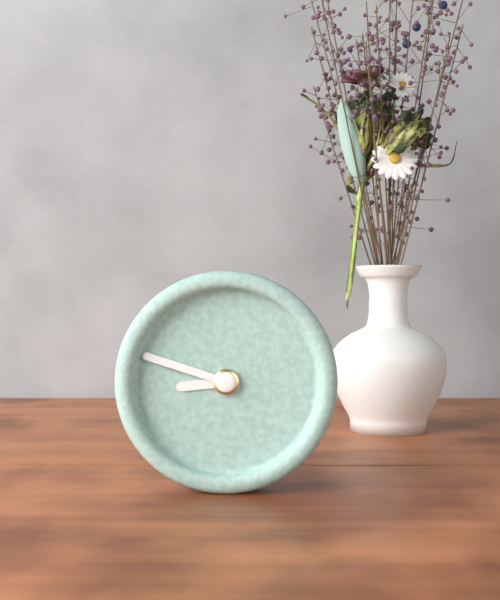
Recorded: **8:48**
